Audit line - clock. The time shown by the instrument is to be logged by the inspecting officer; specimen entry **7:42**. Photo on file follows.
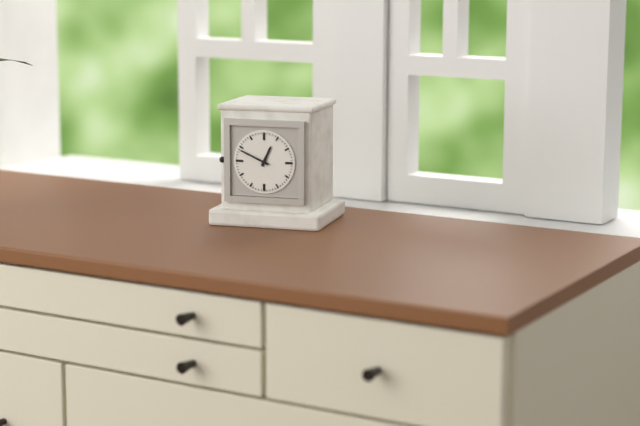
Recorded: **12:49**
